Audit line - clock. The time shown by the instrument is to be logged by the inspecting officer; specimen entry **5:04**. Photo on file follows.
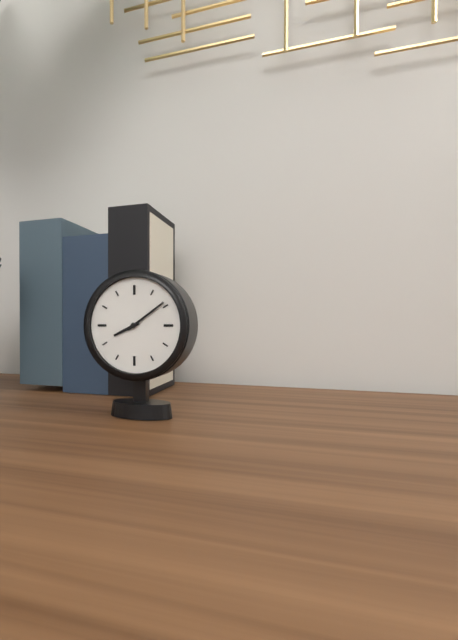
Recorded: **8:09**
